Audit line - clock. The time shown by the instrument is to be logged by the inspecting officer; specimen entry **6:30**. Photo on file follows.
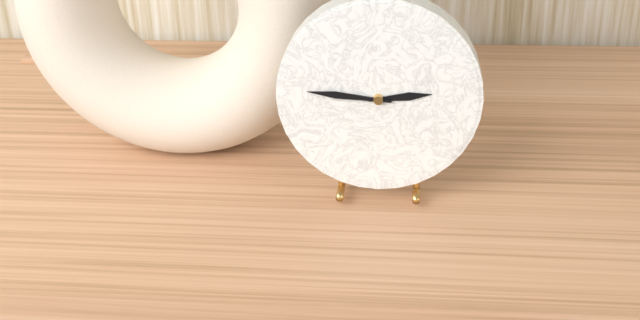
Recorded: **2:46**
